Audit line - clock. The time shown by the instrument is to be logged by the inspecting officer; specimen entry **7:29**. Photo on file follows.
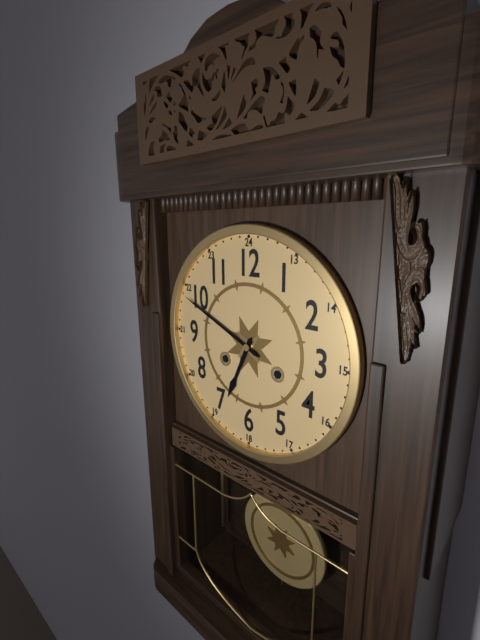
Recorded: **6:49**
